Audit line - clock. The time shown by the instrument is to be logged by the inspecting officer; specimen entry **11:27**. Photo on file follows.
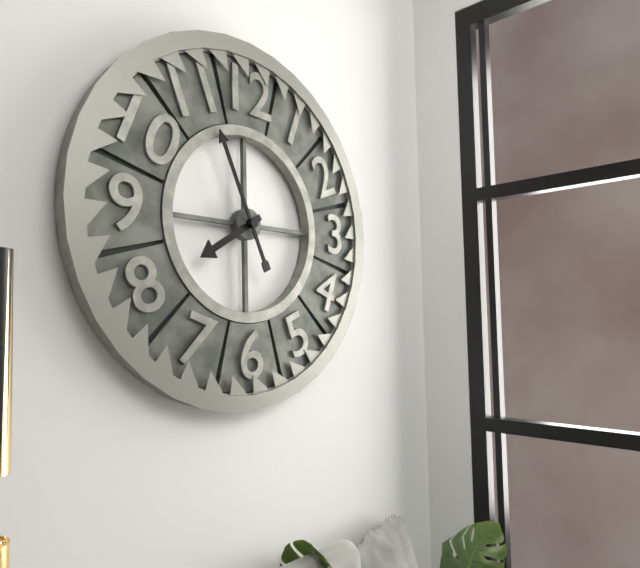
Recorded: **7:56**
